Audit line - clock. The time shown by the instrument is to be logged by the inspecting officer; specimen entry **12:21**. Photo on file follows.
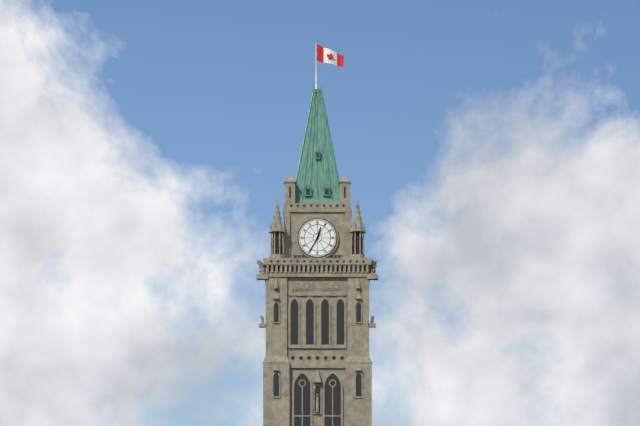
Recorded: **12:35**
